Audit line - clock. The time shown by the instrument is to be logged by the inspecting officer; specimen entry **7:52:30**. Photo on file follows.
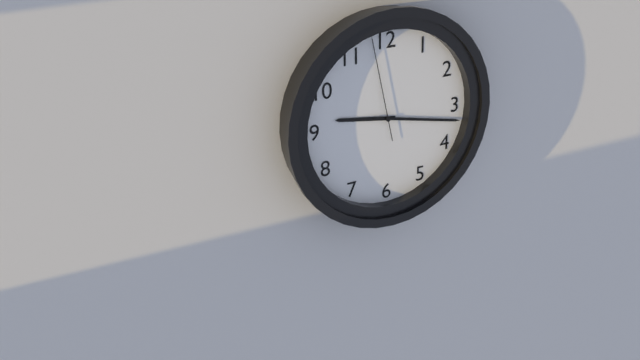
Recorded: **9:17:58**
